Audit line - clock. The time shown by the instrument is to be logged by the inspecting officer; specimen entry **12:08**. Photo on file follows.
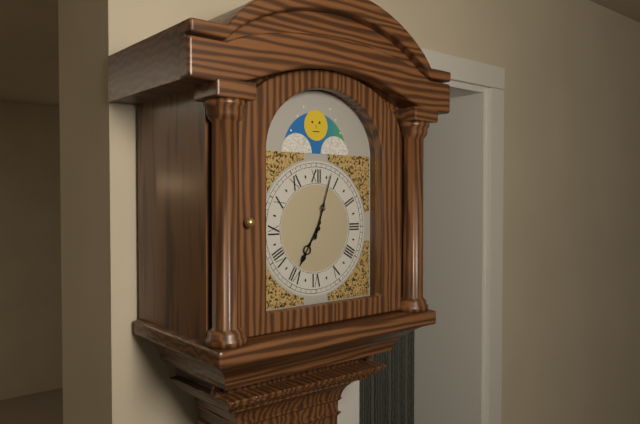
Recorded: **7:03**
